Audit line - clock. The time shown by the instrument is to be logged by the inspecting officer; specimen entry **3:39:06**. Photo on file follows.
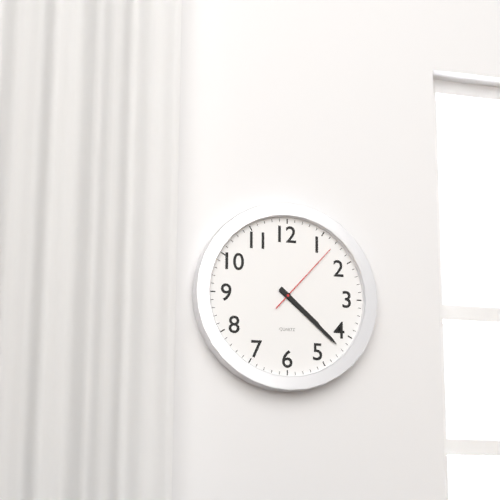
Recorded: **4:22:07**
